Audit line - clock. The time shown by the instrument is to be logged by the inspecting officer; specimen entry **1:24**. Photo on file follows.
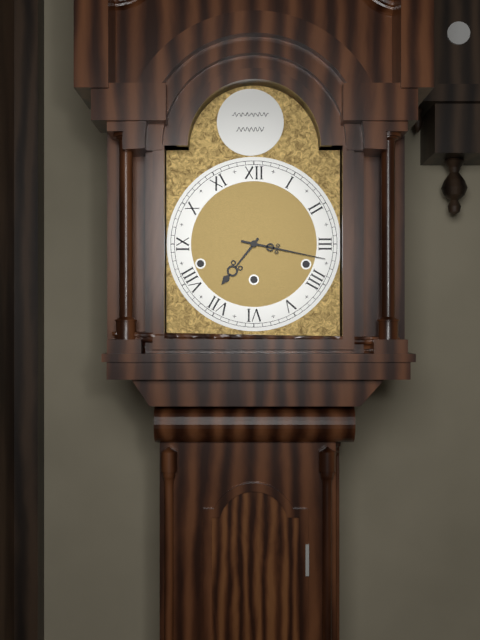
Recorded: **7:17**
